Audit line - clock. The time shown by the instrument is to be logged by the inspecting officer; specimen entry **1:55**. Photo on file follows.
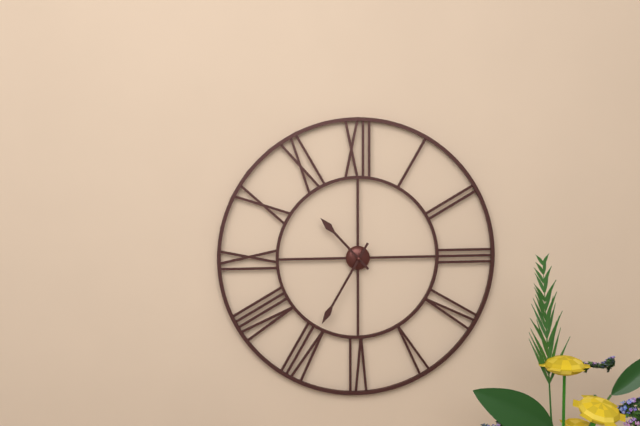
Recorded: **10:35**
